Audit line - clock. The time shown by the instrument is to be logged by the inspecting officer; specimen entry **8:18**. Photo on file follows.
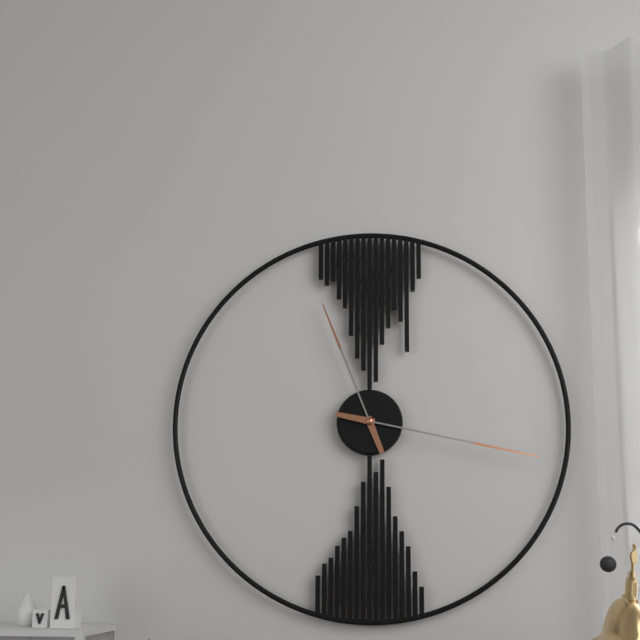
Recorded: **11:17**
